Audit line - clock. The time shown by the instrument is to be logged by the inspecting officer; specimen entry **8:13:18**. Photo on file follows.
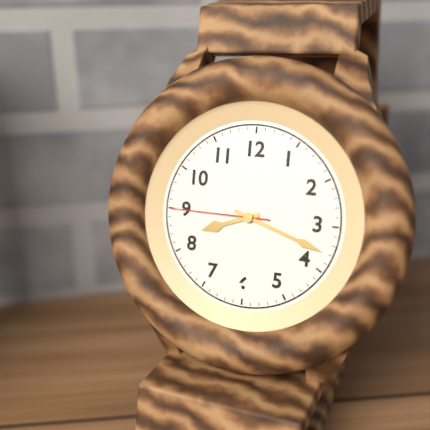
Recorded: **8:18:45**
